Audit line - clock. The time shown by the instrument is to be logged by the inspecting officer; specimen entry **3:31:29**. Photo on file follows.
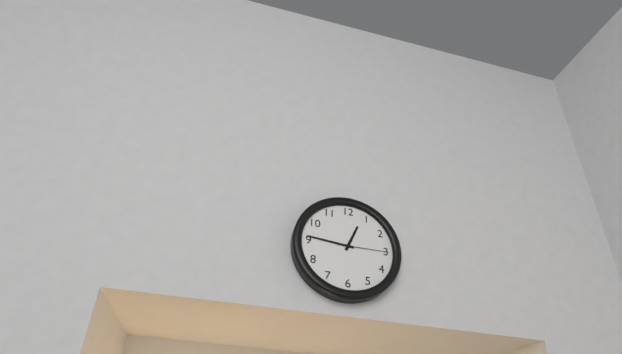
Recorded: **12:46:15**
